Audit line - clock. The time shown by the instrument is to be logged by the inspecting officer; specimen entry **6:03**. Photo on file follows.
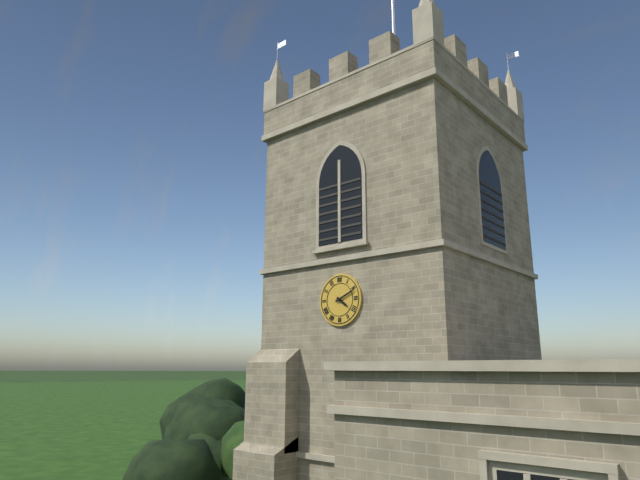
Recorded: **4:11**
